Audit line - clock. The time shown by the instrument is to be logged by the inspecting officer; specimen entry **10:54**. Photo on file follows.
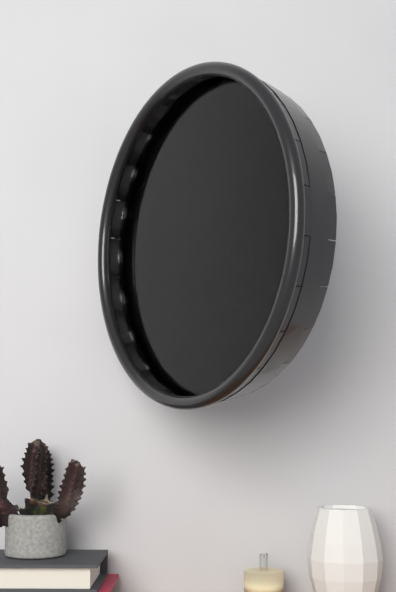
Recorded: **12:20**
